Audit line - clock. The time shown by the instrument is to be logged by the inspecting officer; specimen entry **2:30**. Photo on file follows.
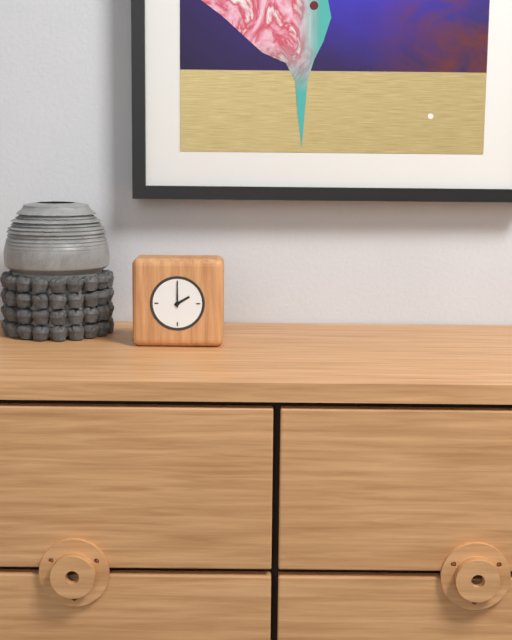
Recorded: **2:00**
